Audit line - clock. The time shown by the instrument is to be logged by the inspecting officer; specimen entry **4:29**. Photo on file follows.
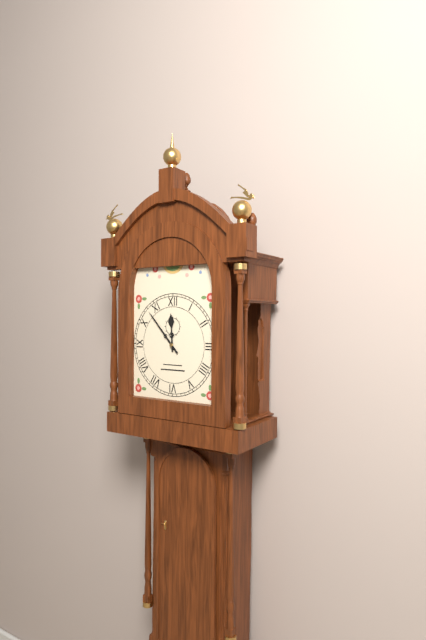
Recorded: **11:53**
